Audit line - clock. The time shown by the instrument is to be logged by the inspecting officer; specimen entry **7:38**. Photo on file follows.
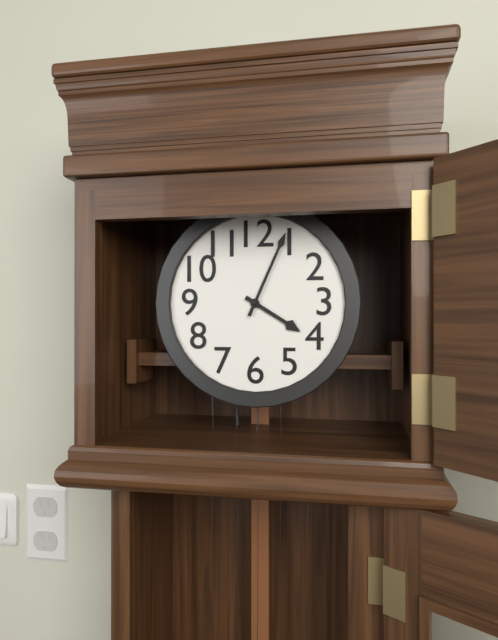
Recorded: **4:04**
